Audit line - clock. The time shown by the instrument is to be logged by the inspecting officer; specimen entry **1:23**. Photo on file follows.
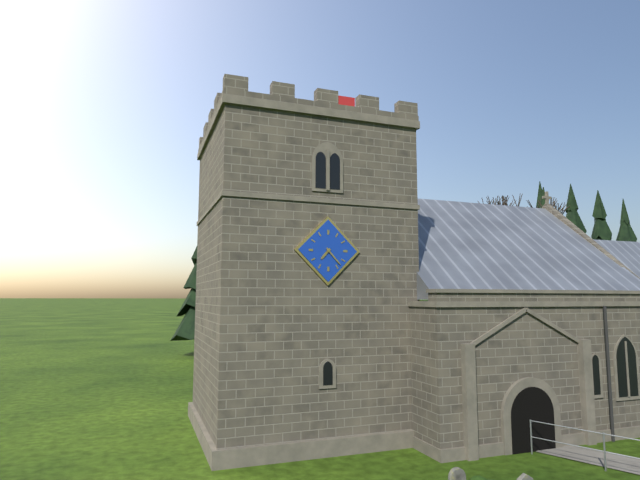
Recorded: **7:23**
